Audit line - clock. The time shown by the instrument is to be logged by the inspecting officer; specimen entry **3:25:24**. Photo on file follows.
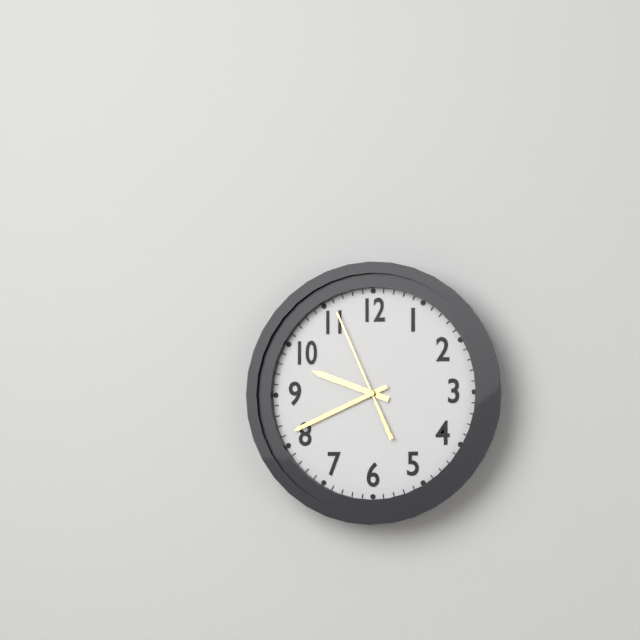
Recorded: **9:41:56**
